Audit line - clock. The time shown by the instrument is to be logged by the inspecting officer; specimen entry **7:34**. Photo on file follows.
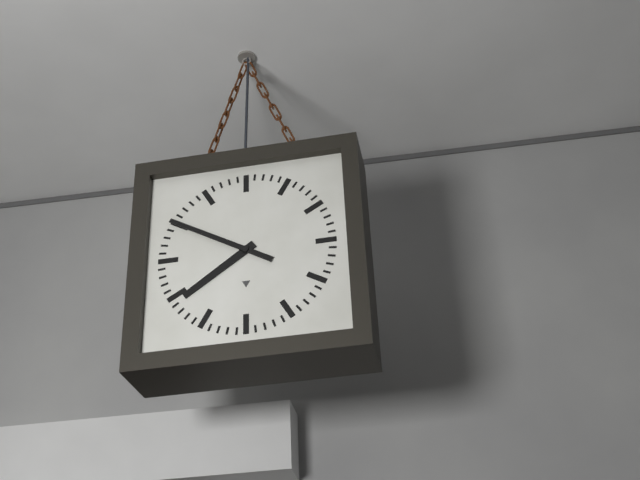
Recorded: **7:50**
